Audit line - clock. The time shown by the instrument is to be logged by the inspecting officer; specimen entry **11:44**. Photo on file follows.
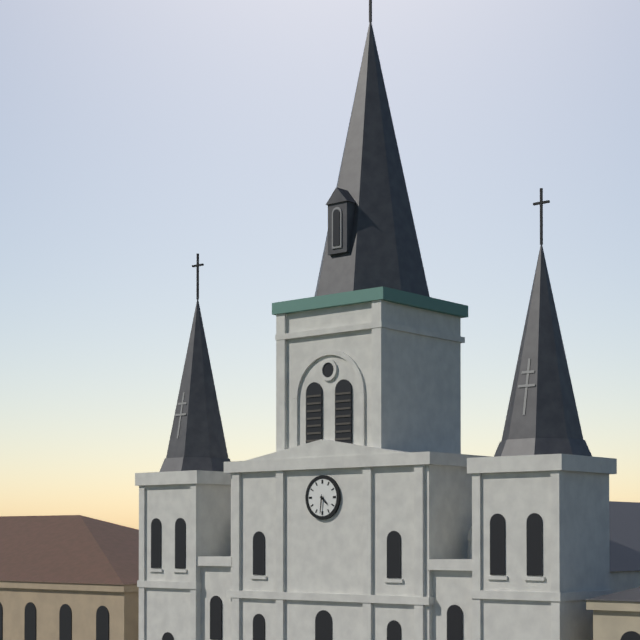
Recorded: **4:31**
